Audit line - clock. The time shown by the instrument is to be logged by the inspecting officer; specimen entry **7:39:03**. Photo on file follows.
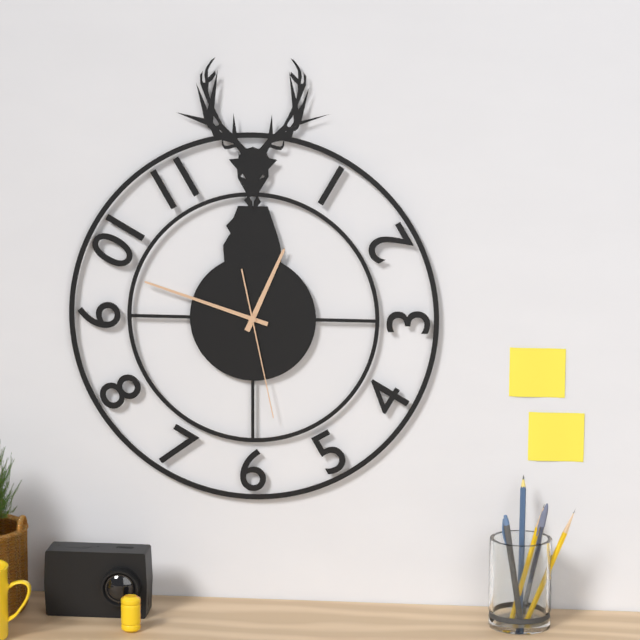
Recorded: **12:48:28**
